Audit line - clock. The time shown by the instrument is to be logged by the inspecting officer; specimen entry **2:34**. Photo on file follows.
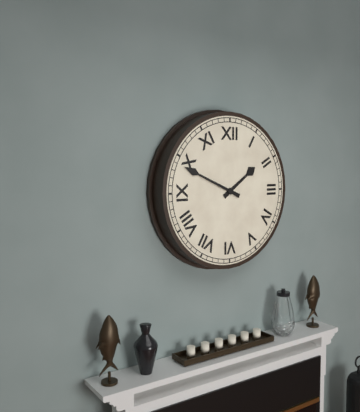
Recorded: **1:49**
